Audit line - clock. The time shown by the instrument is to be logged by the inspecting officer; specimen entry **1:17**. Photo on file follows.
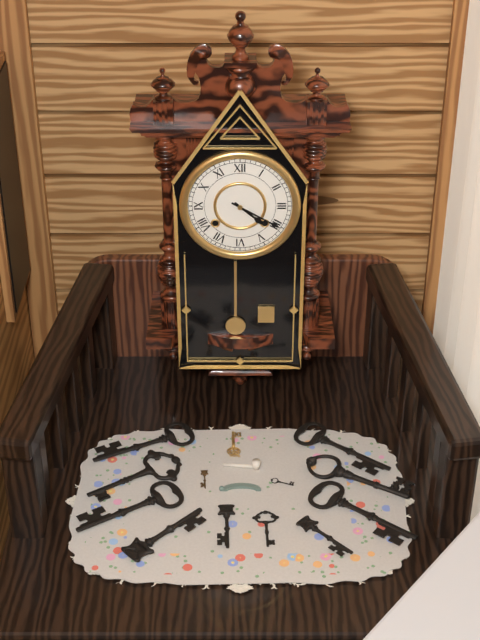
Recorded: **4:20**
